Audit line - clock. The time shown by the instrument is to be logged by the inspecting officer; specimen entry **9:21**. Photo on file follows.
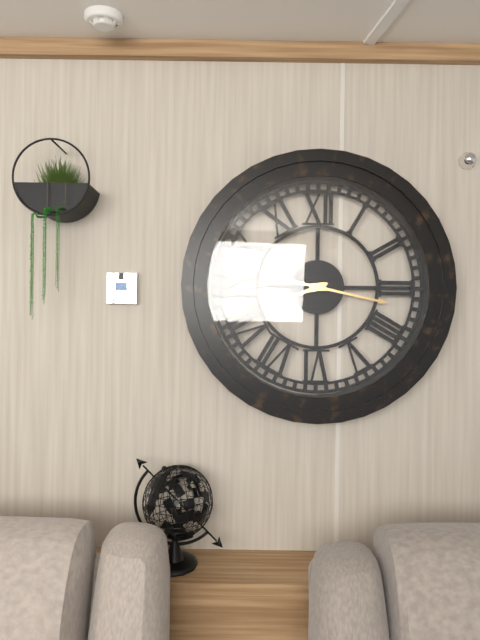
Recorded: **8:17**
